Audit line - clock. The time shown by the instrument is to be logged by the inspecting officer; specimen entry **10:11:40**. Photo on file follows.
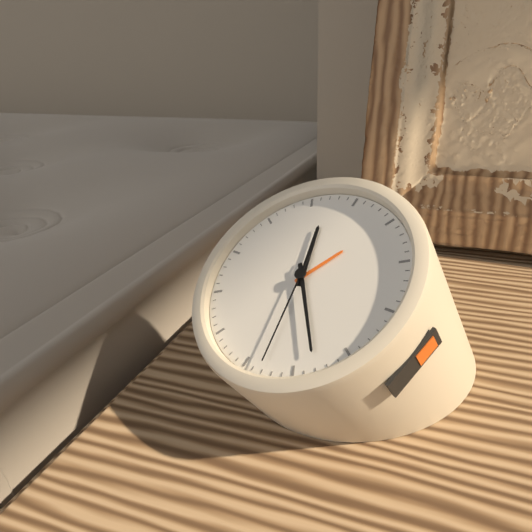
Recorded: **11:23:28**
